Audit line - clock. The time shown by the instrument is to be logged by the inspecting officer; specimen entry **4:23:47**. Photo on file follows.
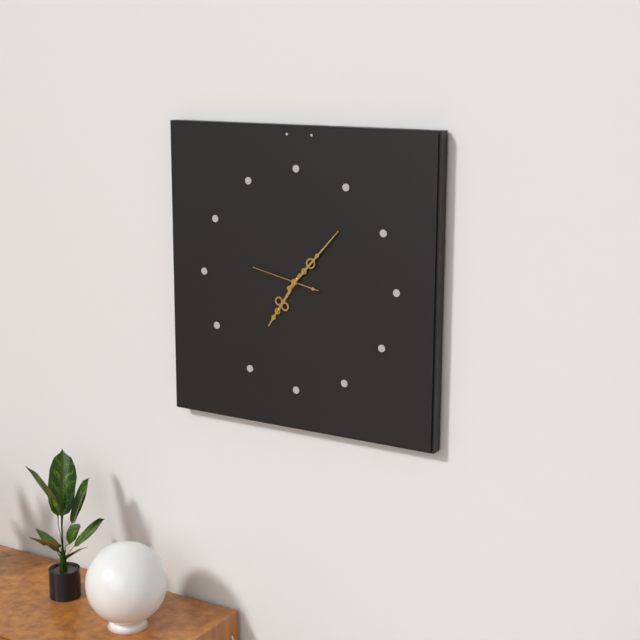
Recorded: **7:07:47**
